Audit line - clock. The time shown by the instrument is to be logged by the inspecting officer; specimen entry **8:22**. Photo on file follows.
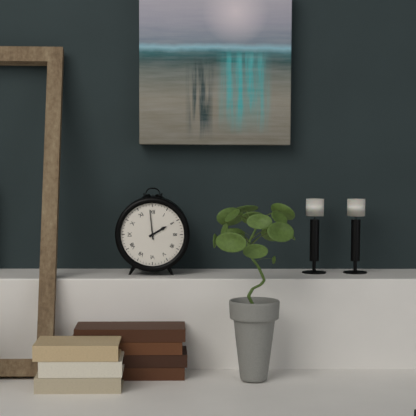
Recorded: **1:59**
